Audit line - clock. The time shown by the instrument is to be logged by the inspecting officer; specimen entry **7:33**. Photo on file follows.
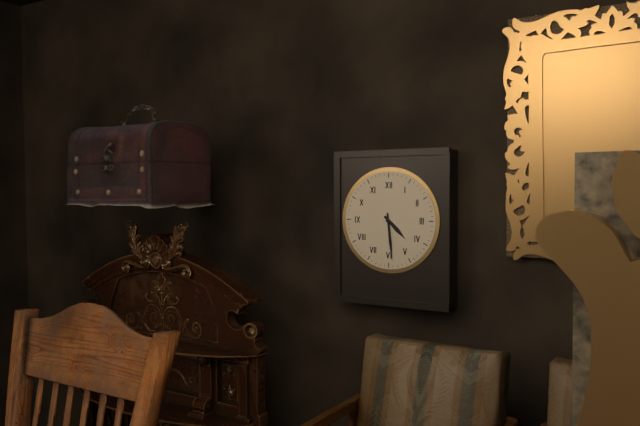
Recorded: **4:29**
